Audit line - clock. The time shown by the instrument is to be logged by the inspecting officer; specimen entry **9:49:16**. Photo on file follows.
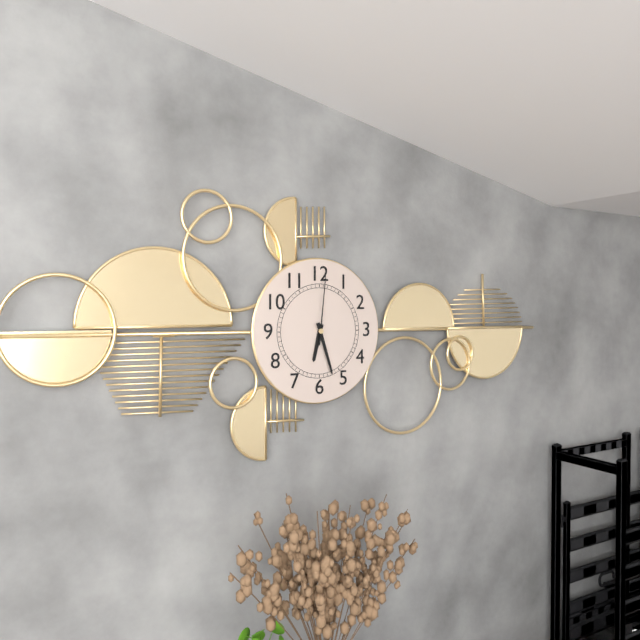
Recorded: **6:27:01**
